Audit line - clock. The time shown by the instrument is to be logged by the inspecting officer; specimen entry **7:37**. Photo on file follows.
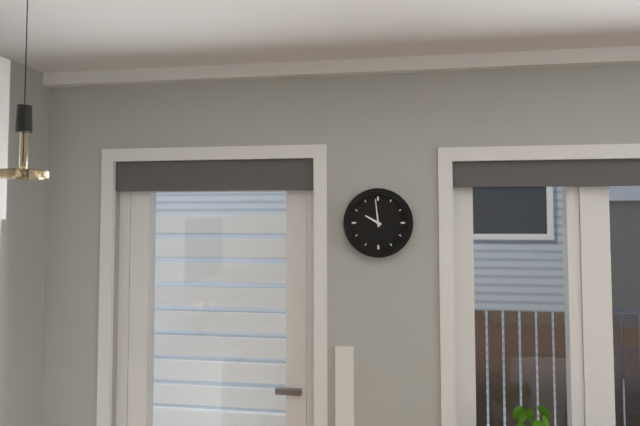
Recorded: **9:59**
